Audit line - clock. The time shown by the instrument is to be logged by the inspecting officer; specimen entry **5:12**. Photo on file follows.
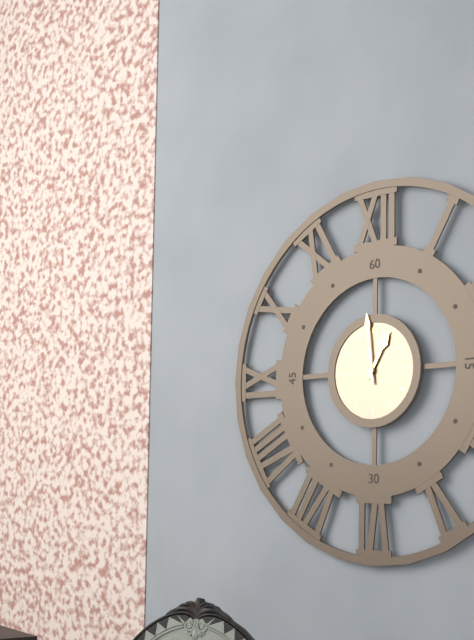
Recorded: **12:59**
